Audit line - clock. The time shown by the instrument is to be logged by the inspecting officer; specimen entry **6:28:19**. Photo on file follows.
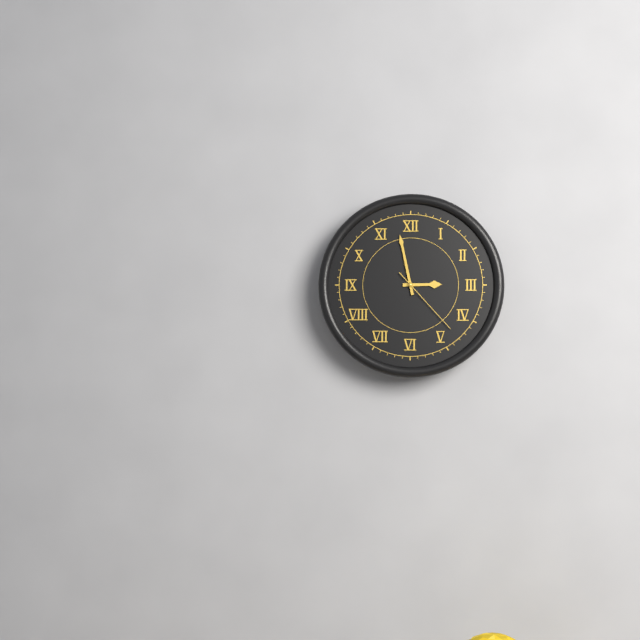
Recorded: **2:58:23**
